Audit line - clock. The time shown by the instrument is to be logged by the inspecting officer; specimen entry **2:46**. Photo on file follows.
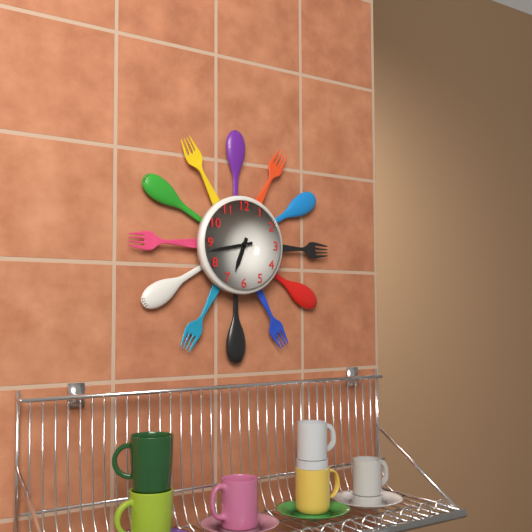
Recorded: **6:43**
